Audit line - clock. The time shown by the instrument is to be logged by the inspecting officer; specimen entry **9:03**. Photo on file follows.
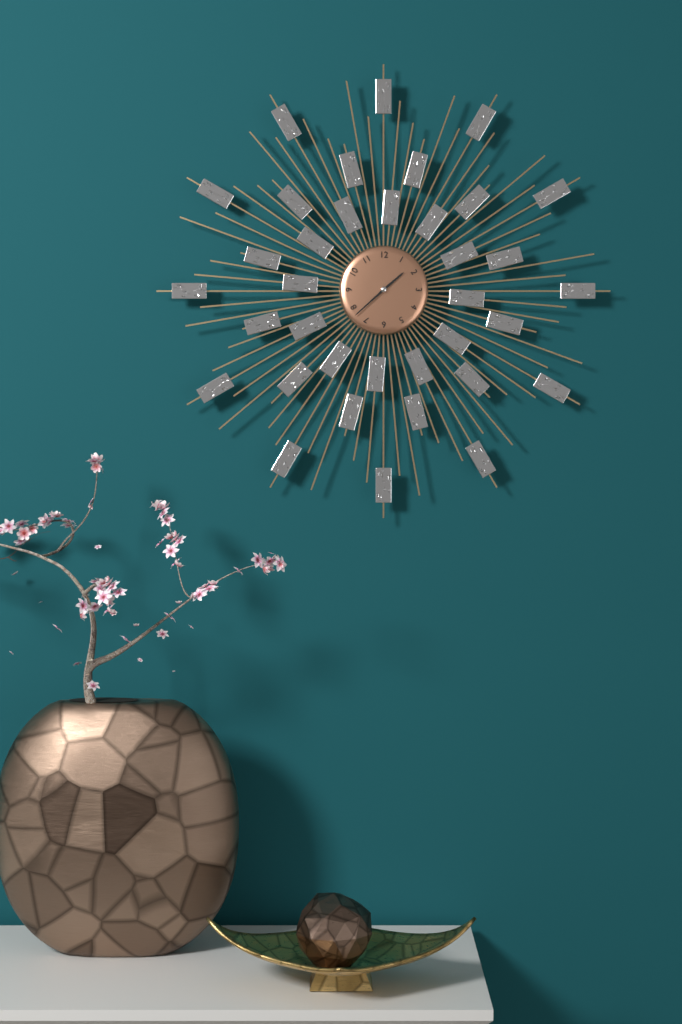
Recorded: **1:38**
